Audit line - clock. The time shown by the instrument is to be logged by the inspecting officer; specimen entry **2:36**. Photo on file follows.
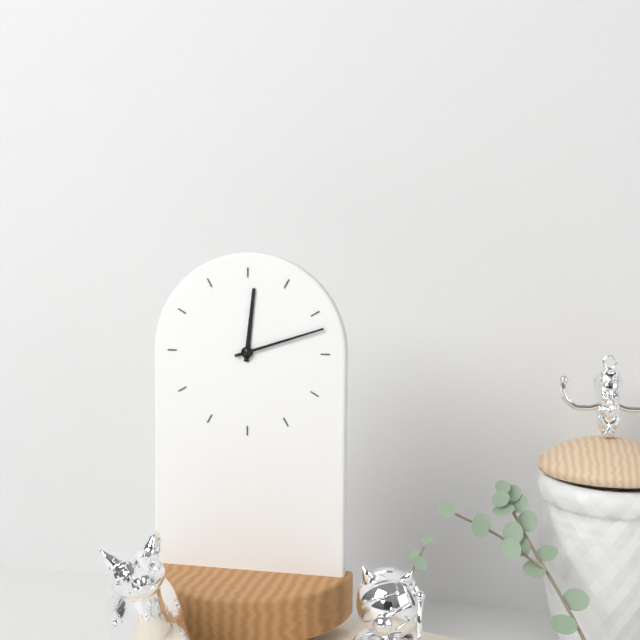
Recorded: **12:12**
